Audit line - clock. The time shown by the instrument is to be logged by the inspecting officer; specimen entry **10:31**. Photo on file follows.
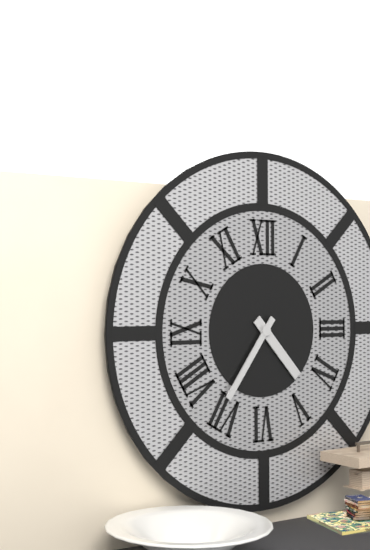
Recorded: **4:36**
